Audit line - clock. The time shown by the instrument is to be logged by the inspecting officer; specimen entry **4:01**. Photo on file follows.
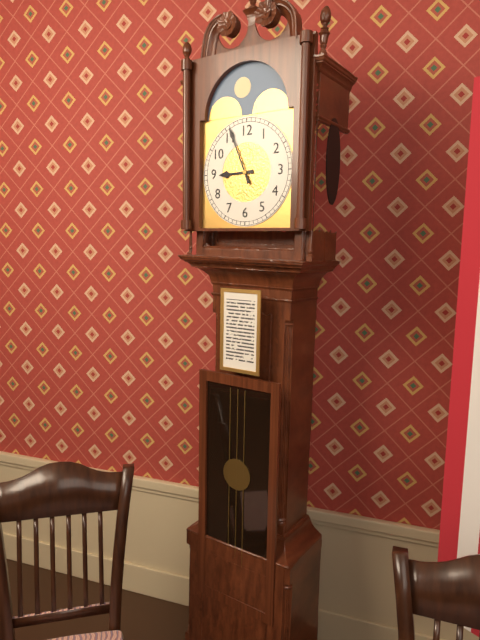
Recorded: **8:56**
